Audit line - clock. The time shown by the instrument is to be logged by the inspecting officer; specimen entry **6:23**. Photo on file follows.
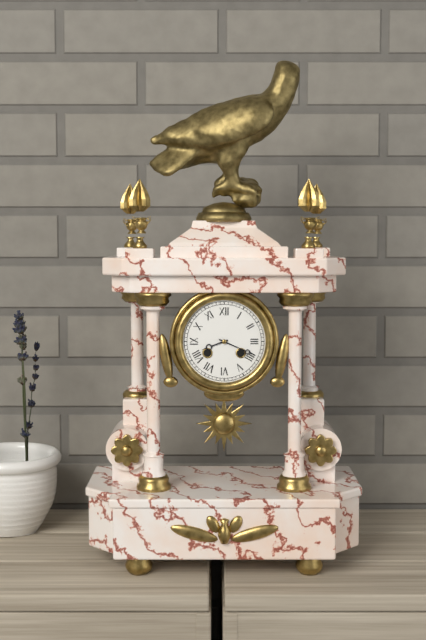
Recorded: **8:19**
